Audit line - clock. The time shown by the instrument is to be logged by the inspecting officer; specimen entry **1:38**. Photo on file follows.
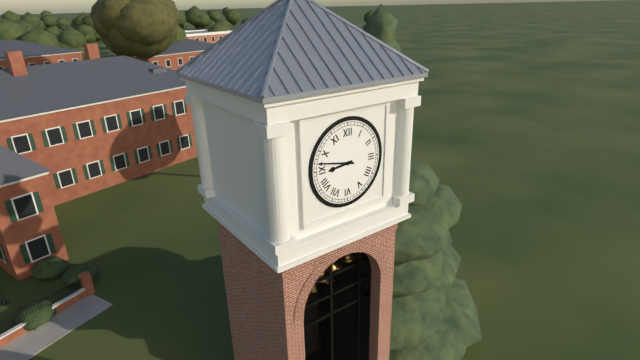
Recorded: **8:47**
